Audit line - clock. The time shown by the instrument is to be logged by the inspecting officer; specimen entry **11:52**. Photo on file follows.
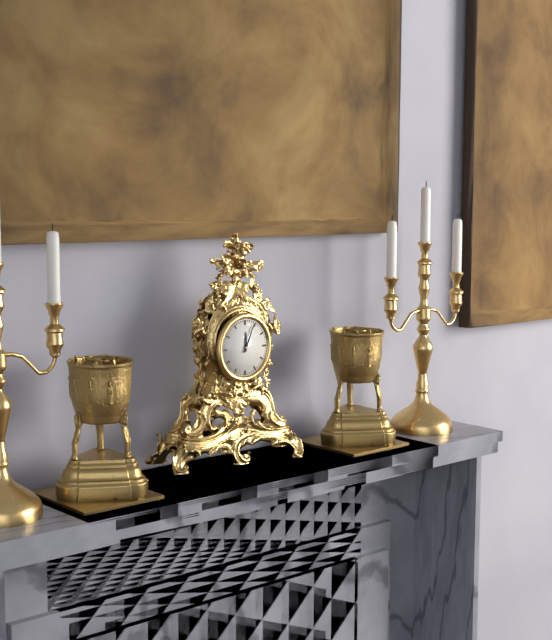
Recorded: **12:04**
